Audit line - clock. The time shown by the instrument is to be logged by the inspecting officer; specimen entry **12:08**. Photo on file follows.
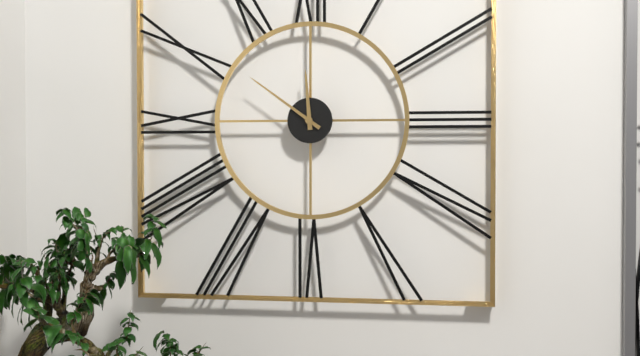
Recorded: **11:51**
